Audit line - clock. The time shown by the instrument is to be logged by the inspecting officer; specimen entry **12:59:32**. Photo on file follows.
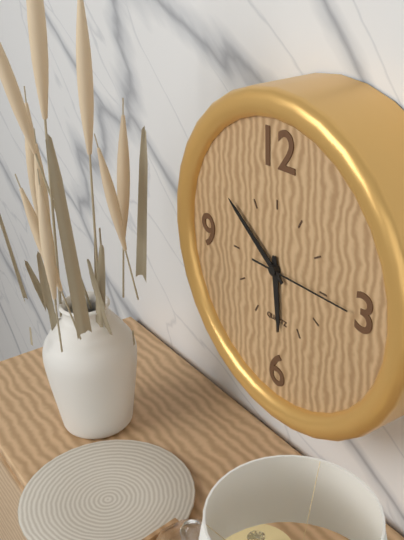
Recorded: **5:51:15**
